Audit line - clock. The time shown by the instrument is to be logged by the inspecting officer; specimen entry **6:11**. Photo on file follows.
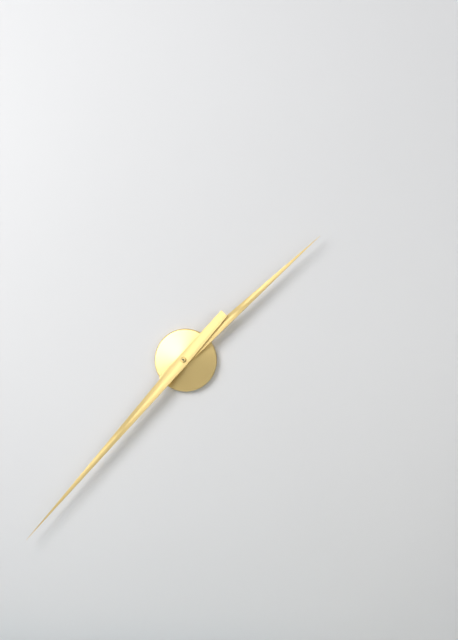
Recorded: **1:37**
